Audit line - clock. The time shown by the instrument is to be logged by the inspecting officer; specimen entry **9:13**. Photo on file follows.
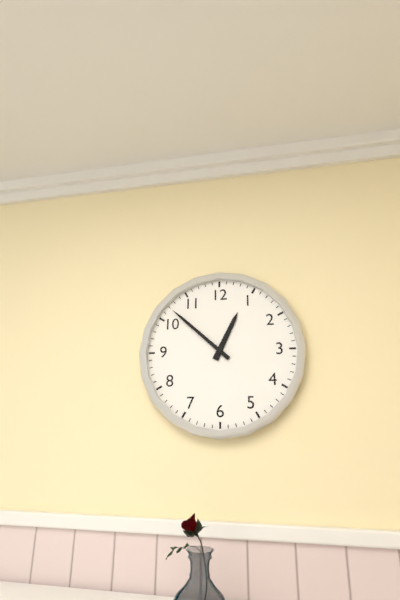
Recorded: **12:52**
